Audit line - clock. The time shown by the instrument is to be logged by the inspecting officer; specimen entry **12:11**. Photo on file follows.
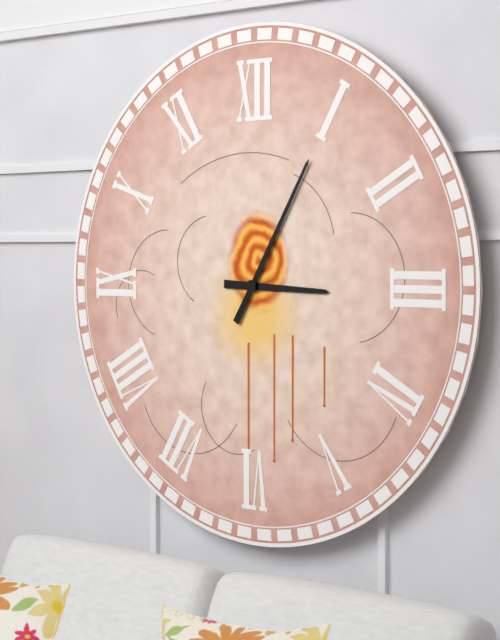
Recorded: **3:05**
